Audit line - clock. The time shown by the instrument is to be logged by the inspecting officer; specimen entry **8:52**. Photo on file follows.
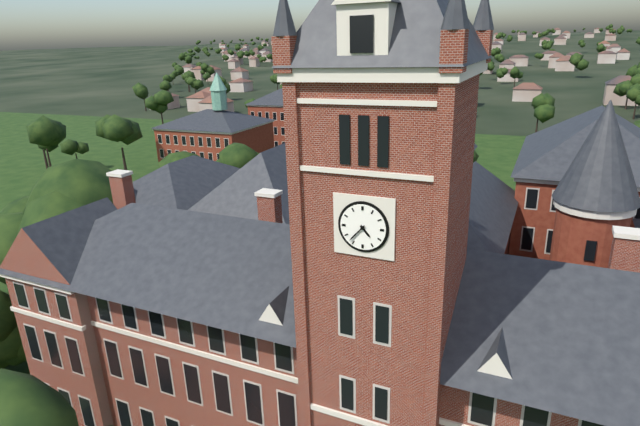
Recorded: **4:37**
